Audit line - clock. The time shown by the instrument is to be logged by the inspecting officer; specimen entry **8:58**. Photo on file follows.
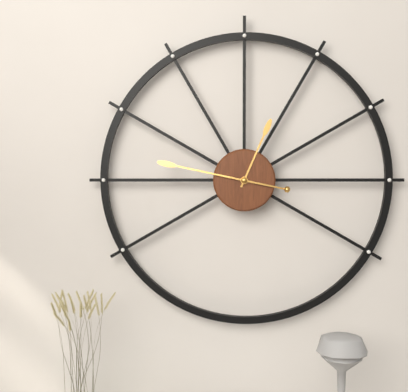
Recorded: **12:47**
